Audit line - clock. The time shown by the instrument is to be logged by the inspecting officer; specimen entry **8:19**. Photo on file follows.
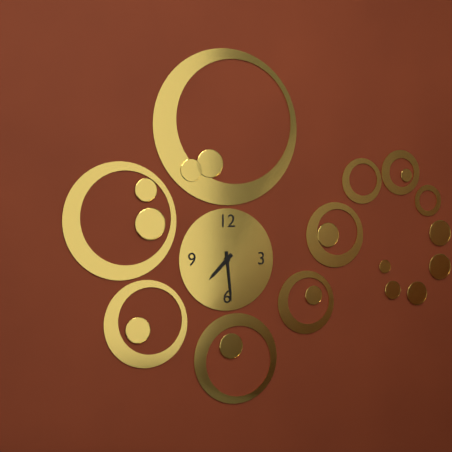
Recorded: **7:29**
